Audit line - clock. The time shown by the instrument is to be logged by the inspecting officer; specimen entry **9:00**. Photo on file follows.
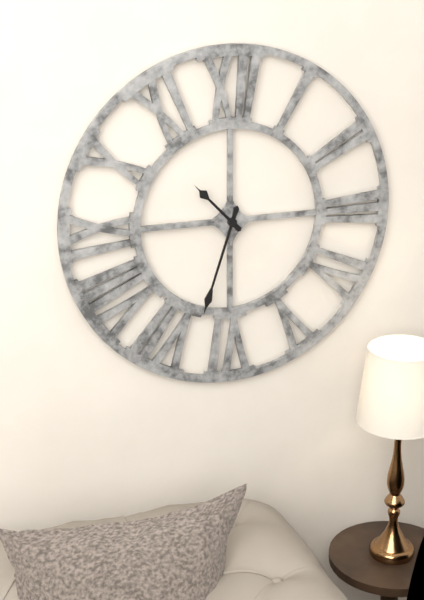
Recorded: **10:33**
